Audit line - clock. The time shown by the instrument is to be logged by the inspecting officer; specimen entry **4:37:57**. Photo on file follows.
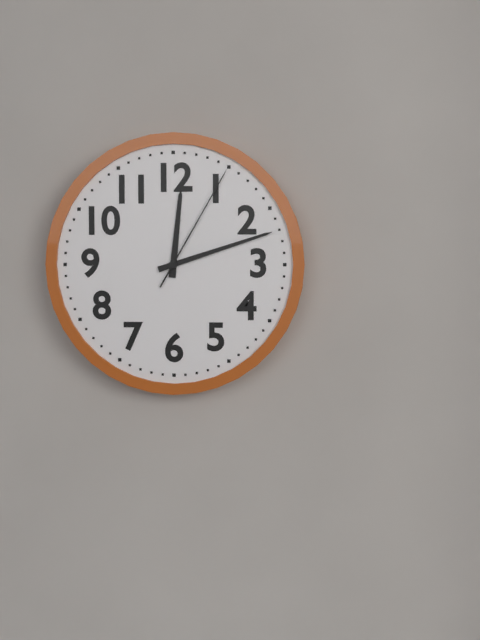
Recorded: **12:12:05**
